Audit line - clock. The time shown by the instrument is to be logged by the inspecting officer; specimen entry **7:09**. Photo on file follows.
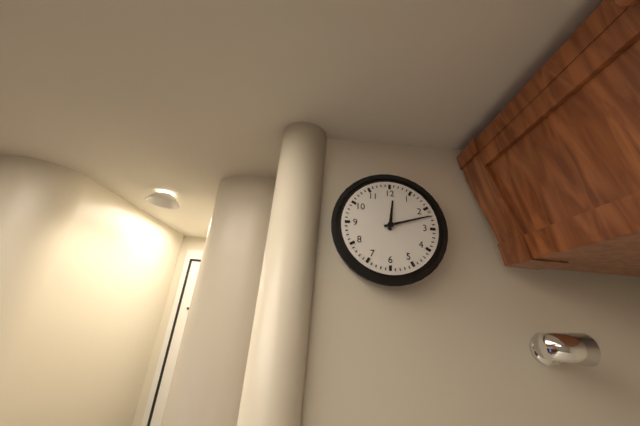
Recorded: **12:12**
